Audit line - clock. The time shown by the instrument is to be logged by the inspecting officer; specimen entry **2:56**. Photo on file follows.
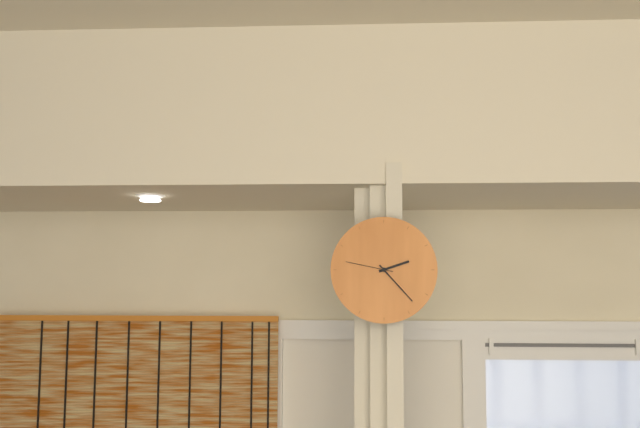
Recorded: **2:23**
